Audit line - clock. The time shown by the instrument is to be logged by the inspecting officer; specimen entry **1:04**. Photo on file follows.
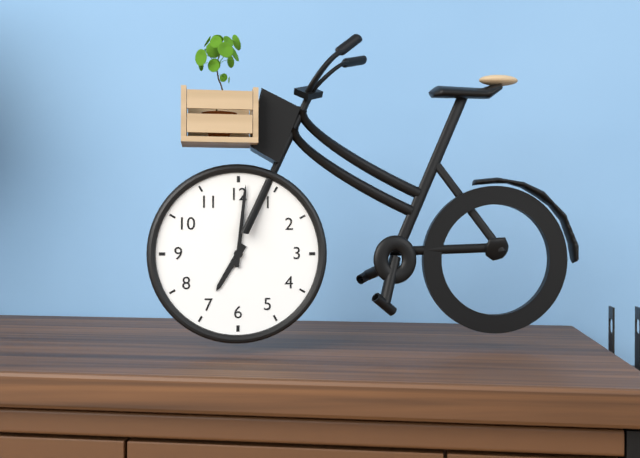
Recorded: **7:01**
